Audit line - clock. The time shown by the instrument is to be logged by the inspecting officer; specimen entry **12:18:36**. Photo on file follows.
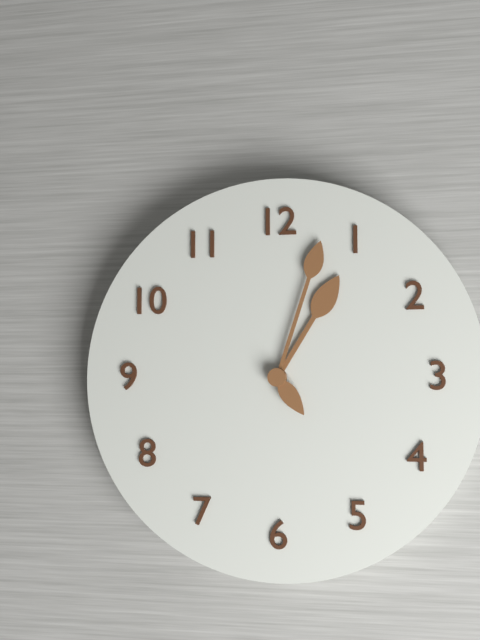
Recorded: **1:03:24**
